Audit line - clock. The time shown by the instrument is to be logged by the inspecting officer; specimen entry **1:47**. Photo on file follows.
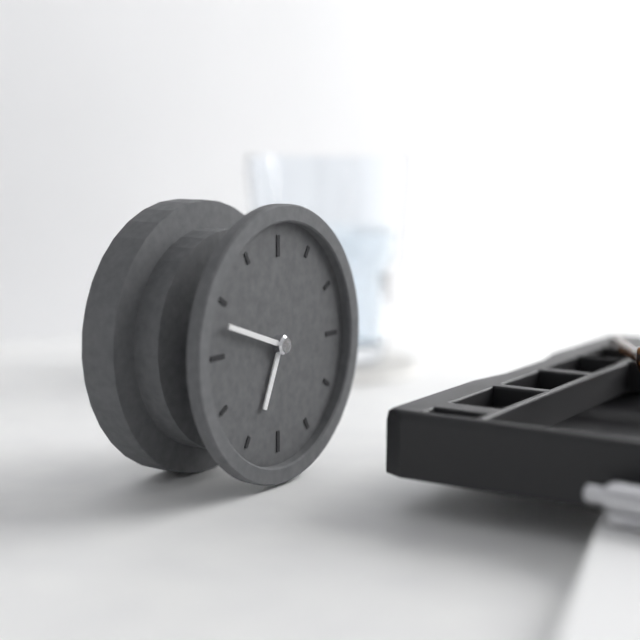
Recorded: **6:48**
